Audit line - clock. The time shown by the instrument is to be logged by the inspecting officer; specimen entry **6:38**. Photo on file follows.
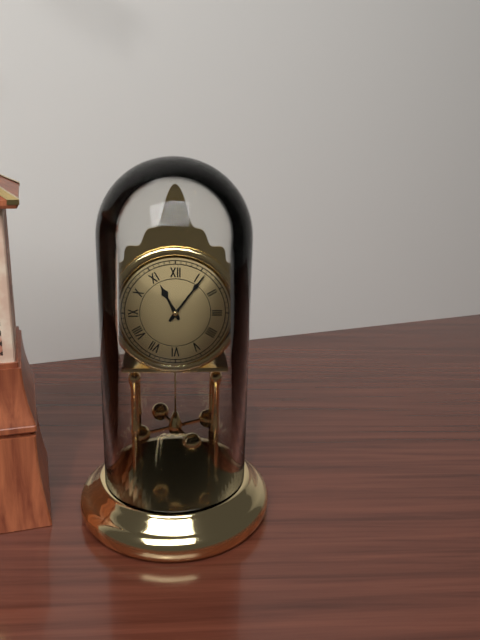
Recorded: **11:06**
